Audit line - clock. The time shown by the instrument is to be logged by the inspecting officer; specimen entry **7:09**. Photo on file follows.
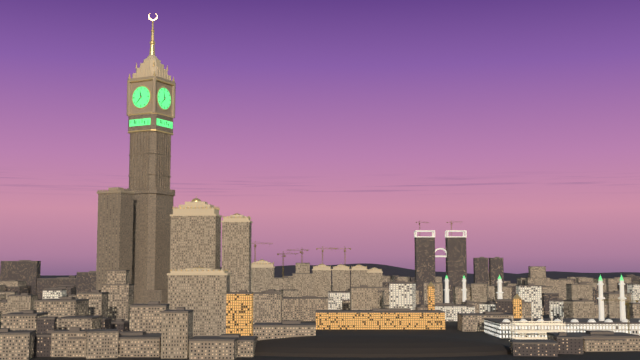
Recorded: **11:37**
